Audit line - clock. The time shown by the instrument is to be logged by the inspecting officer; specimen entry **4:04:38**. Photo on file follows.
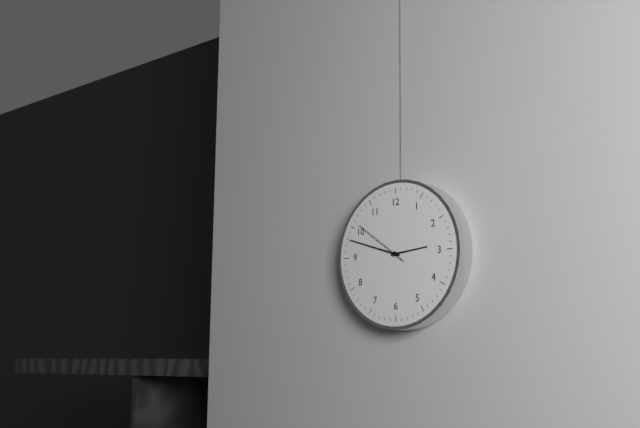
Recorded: **2:48:51**
